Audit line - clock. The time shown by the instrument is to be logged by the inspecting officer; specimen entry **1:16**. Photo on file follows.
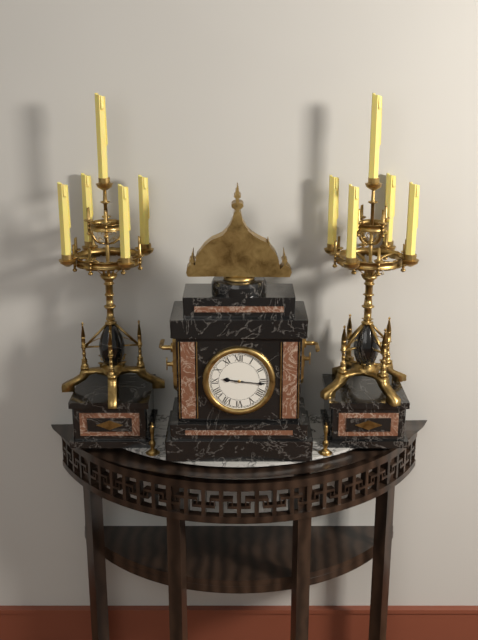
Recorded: **9:16**
